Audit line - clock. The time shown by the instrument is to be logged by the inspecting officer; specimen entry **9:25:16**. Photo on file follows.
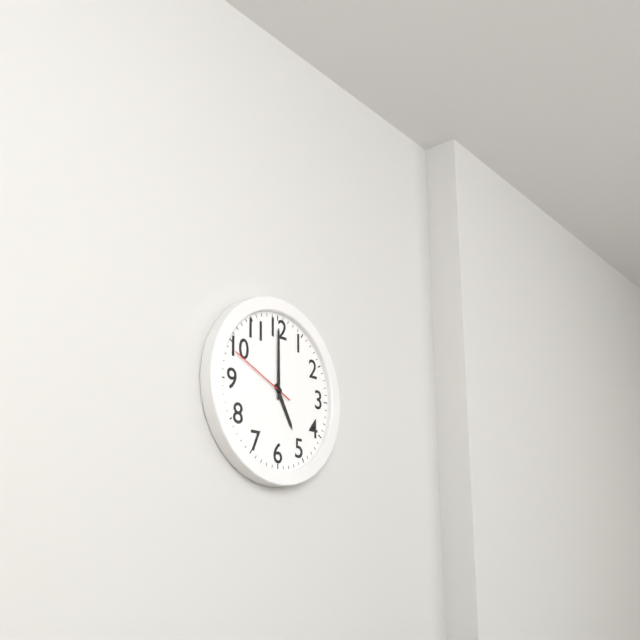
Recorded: **5:00:49**
